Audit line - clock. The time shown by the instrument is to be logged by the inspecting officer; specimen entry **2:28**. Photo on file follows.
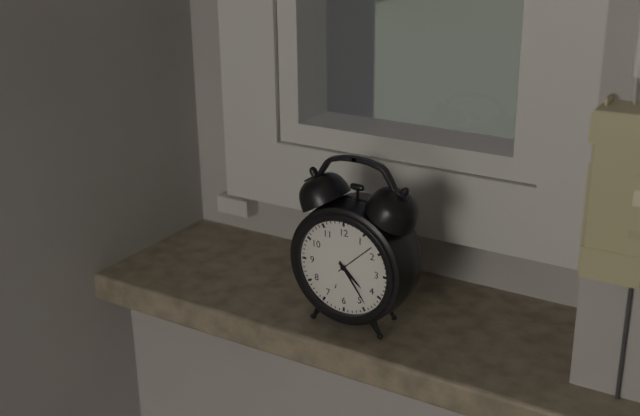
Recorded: **4:24**
